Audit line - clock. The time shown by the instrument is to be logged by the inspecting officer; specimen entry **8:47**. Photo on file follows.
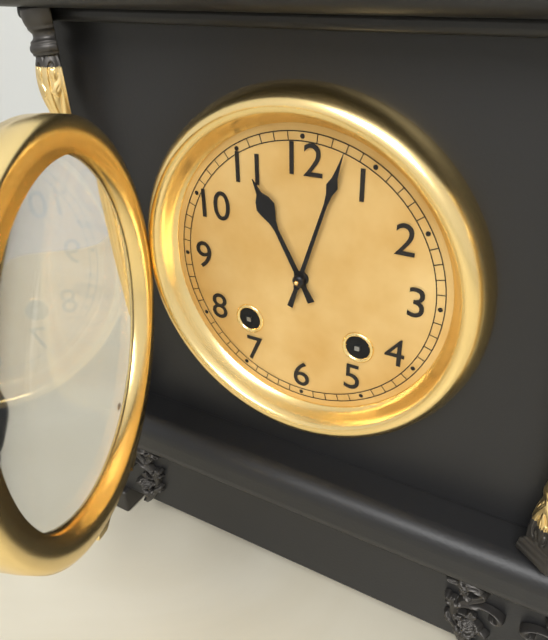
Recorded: **11:03**
